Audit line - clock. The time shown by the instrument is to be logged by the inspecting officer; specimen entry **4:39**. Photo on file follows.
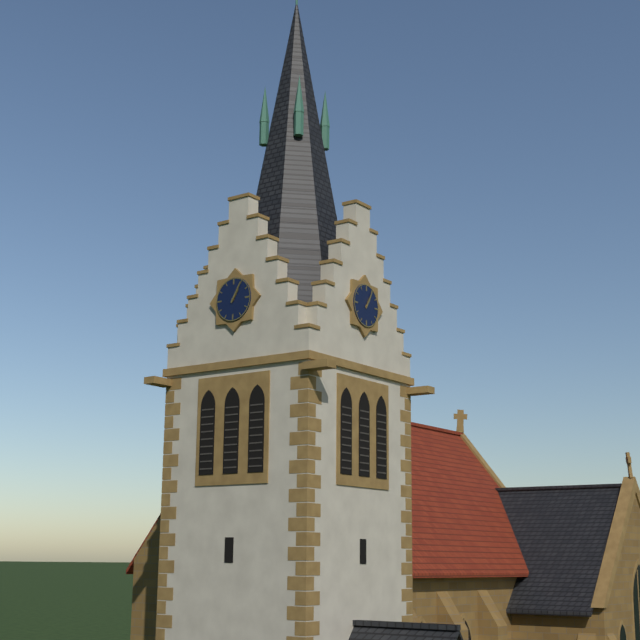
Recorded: **1:05**
